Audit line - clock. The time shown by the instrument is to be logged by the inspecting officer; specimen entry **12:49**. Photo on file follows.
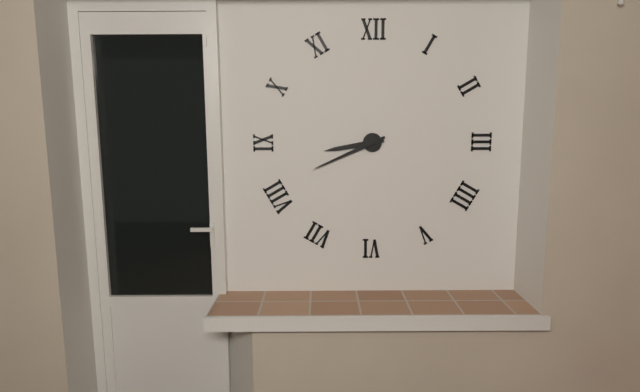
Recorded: **8:41**
